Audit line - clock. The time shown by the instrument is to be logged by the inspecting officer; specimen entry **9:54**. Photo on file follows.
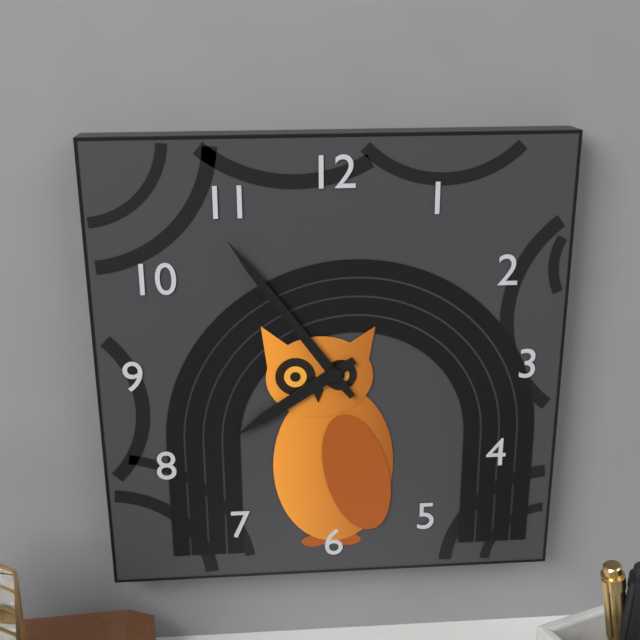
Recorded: **7:54**
